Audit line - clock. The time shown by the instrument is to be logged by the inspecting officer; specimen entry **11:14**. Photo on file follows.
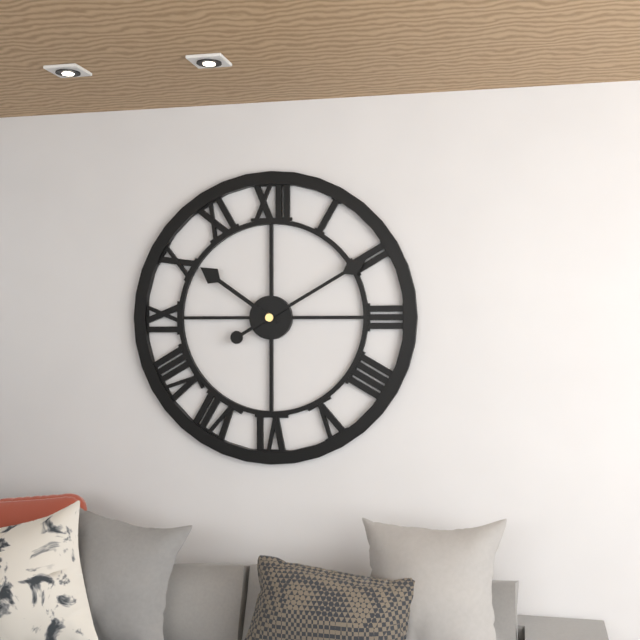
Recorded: **10:10**
